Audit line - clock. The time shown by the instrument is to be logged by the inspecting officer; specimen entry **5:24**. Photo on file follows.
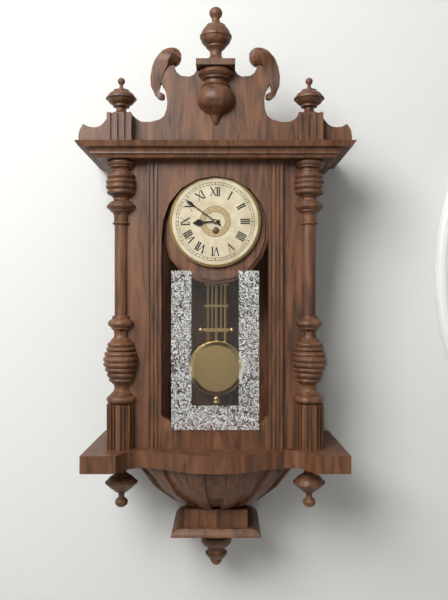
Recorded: **8:51**
